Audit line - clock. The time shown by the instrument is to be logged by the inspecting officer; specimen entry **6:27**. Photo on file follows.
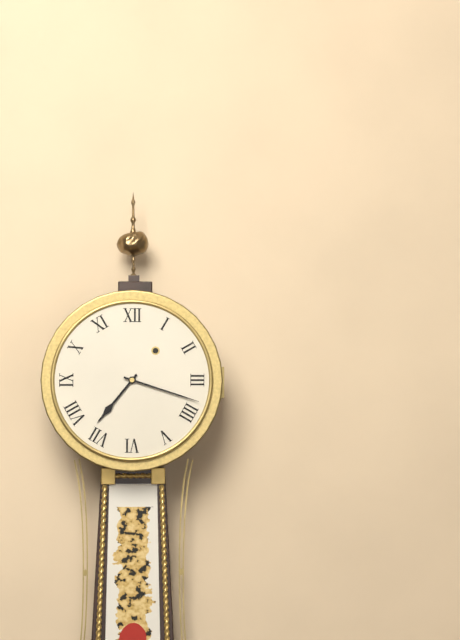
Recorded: **7:18**
